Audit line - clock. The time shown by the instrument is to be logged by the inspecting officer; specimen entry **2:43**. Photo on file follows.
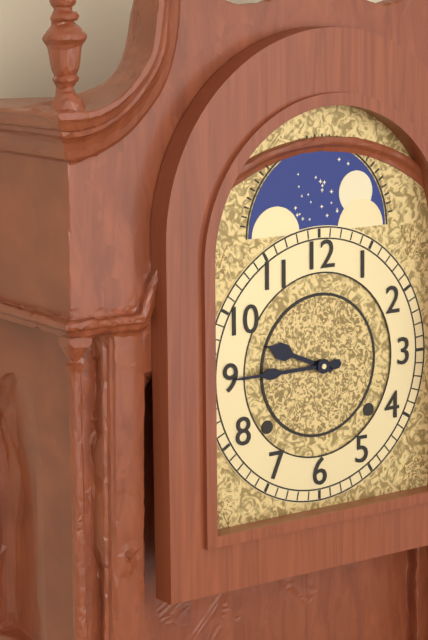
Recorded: **9:45**
